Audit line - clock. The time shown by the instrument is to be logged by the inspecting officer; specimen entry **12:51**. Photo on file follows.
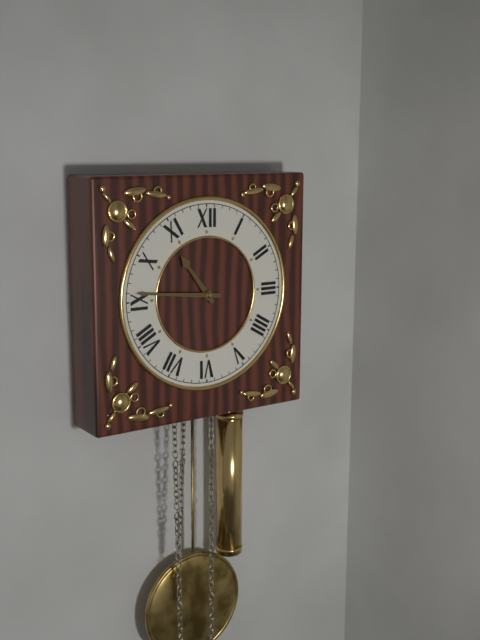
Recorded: **10:46**
